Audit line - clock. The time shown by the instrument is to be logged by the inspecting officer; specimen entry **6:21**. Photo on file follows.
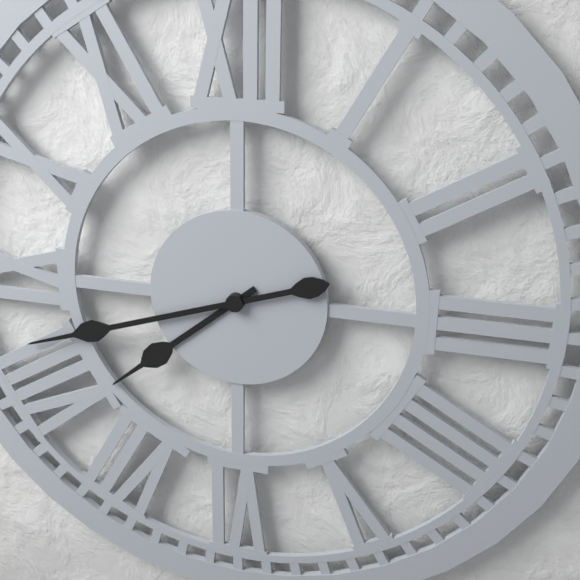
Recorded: **7:42**
